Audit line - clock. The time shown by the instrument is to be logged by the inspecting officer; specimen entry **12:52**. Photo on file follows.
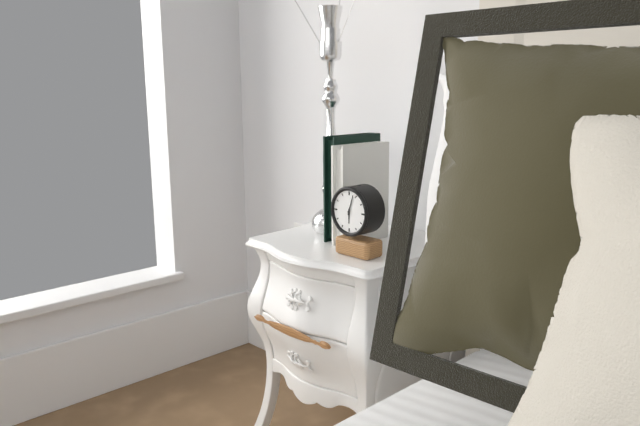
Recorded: **6:03**
